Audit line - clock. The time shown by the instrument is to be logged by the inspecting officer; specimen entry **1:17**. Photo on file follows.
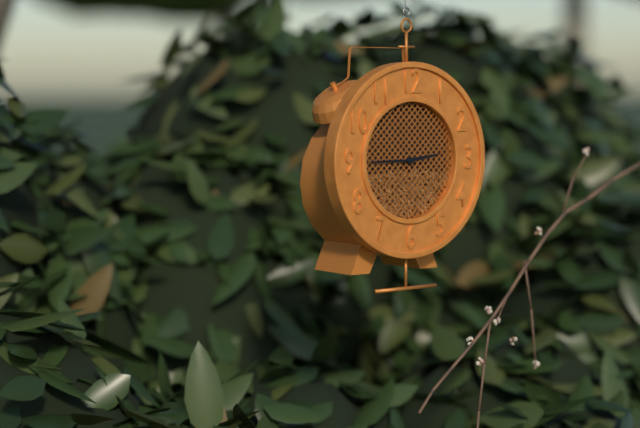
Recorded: **2:45**
